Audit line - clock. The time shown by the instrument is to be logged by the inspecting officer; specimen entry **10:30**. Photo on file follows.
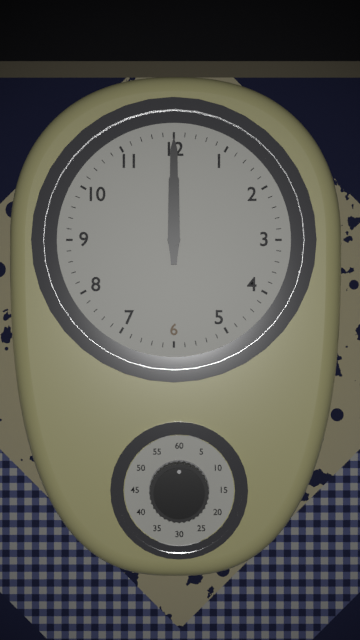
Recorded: **12:00**
